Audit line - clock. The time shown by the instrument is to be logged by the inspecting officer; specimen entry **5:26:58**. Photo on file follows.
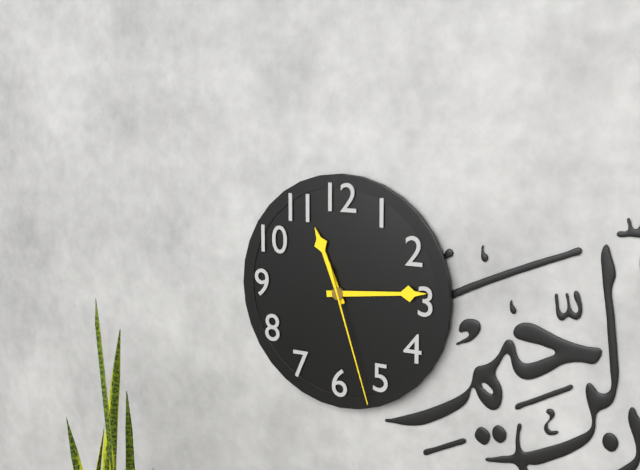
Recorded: **11:14:27**
